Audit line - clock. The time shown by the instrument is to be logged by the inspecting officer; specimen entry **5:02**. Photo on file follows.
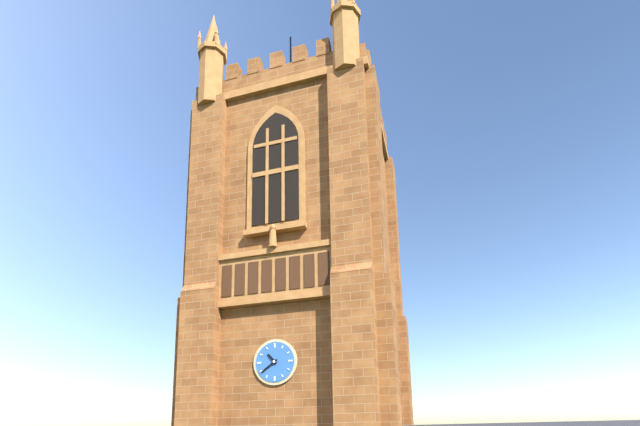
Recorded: **10:39**
